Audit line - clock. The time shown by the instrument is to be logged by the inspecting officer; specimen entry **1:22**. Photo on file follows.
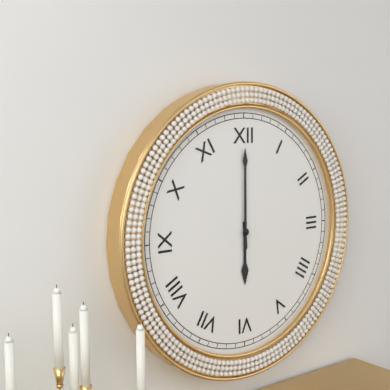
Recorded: **6:00**
